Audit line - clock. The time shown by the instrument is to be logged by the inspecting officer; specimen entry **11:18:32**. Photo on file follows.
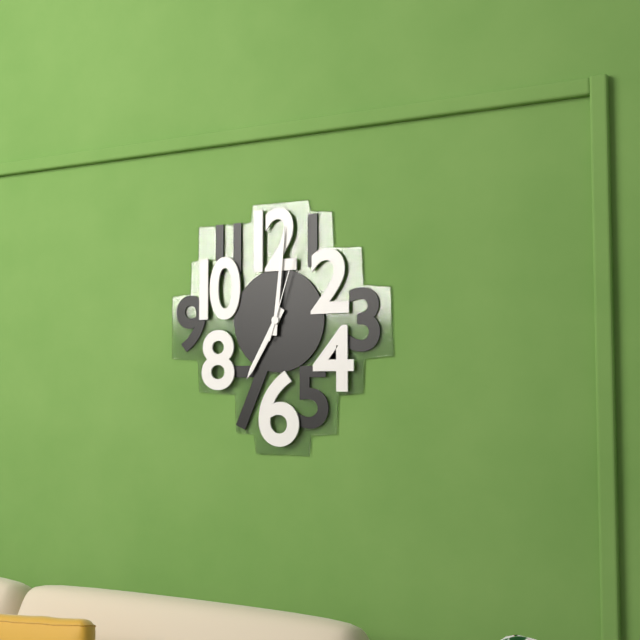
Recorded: **7:01:03**
